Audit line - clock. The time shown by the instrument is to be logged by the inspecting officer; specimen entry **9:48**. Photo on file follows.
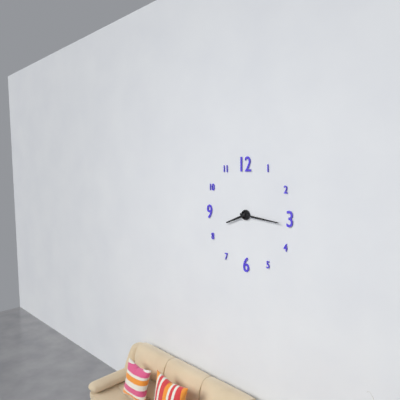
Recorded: **8:16**
